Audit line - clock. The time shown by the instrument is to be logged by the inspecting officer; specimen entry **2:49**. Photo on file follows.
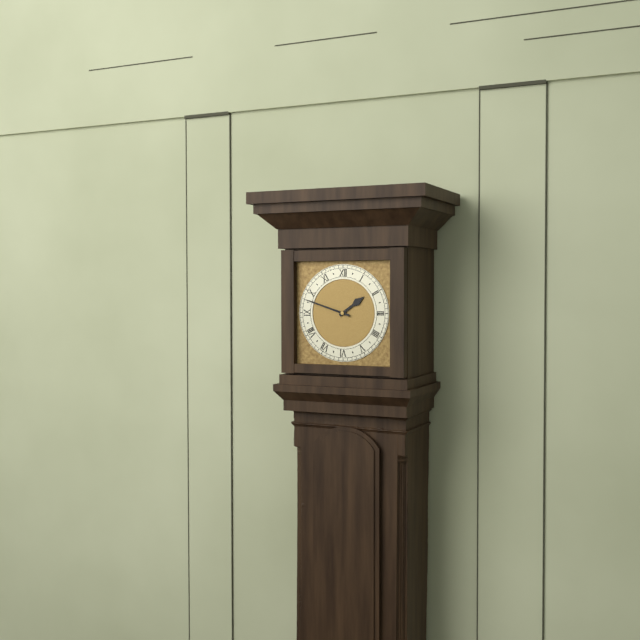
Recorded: **1:48**
